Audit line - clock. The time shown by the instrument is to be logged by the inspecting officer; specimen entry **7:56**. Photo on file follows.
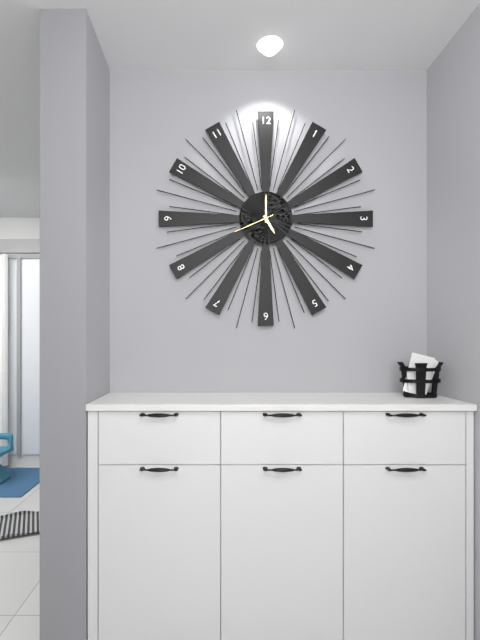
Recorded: **5:00**
